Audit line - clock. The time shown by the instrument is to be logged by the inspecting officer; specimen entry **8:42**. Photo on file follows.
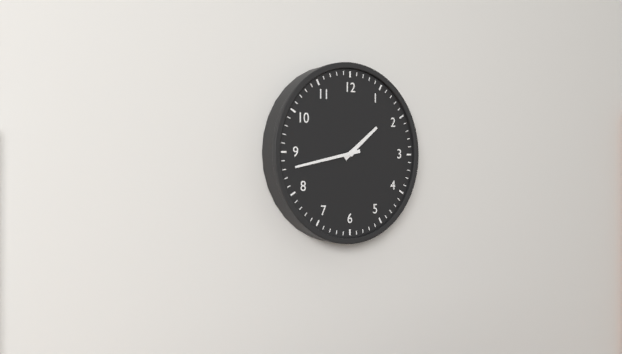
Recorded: **1:43**
